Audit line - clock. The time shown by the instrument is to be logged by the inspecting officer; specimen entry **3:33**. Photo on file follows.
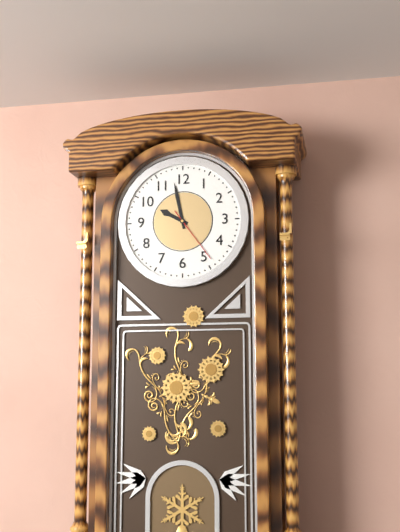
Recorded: **9:58**
